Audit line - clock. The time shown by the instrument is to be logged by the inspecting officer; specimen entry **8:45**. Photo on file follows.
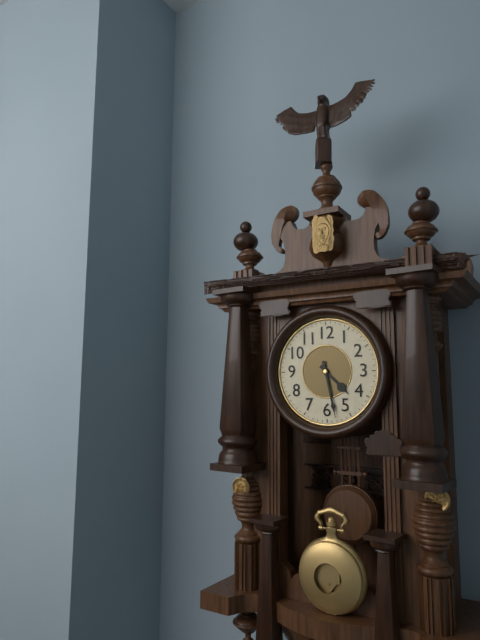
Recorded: **4:28**
